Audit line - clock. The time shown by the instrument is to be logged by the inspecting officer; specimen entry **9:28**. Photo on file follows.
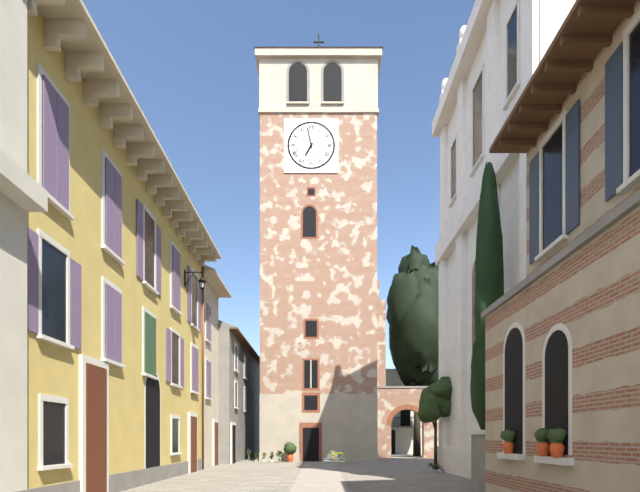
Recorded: **6:58**
